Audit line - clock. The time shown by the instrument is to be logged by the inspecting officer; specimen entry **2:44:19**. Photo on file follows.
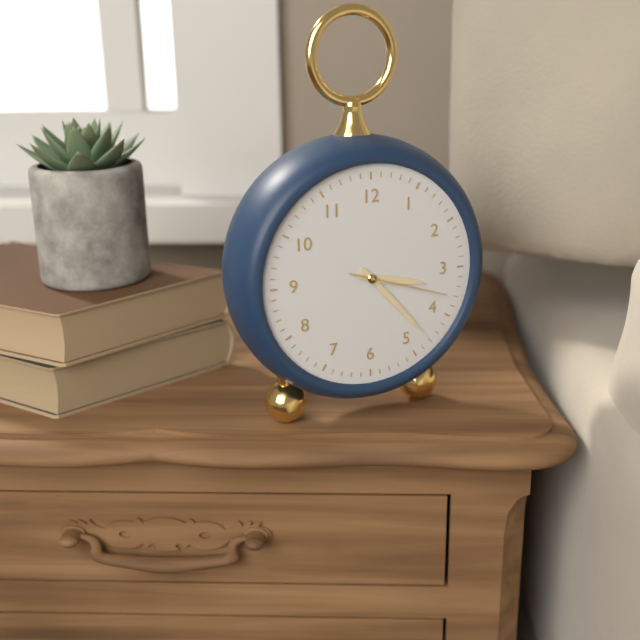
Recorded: **3:23:18**
